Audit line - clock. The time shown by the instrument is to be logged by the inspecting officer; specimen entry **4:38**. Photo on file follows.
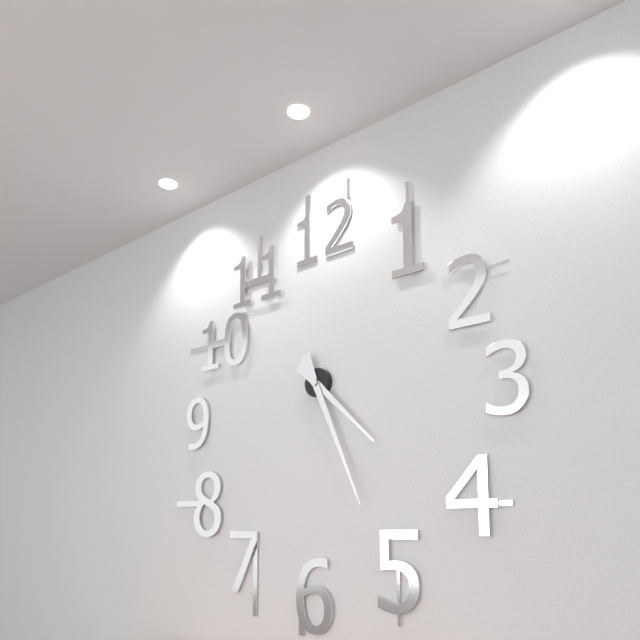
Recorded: **4:26**
